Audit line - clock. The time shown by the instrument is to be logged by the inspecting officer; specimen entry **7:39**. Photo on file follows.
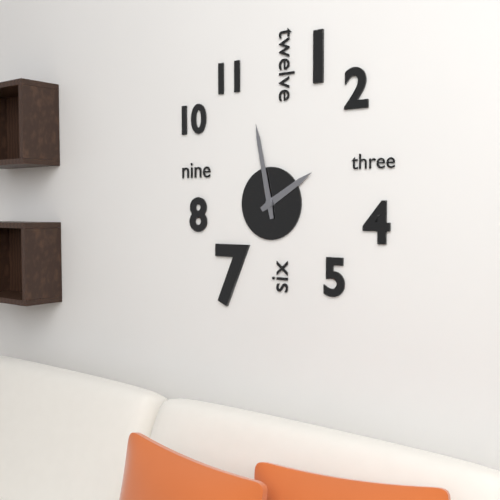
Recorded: **1:58**
